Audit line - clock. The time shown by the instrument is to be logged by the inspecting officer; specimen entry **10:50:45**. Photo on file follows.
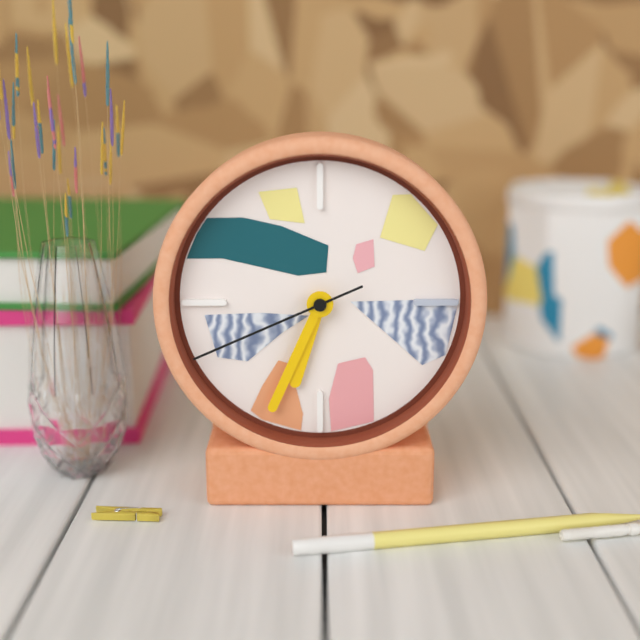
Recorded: **6:34:41**
